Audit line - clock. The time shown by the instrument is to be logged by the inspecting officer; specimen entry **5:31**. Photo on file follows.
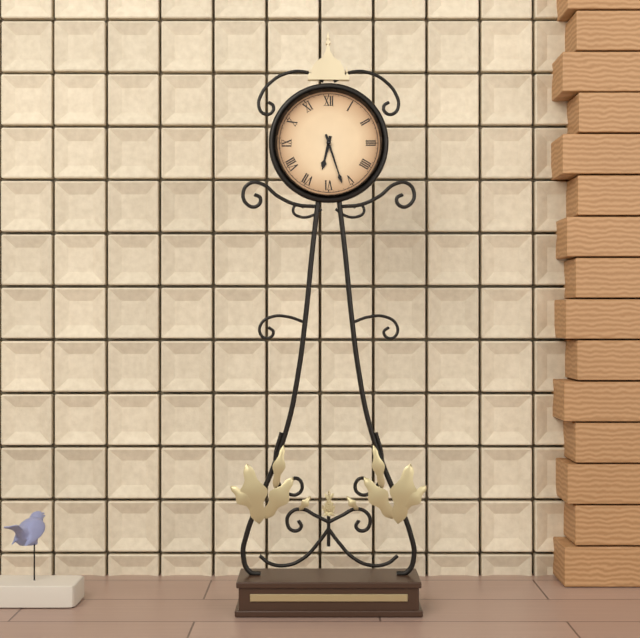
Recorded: **6:27**
